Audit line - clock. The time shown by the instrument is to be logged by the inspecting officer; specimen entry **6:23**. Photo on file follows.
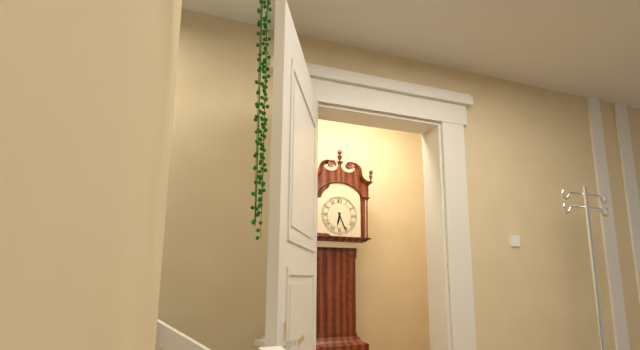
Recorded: **6:26**
